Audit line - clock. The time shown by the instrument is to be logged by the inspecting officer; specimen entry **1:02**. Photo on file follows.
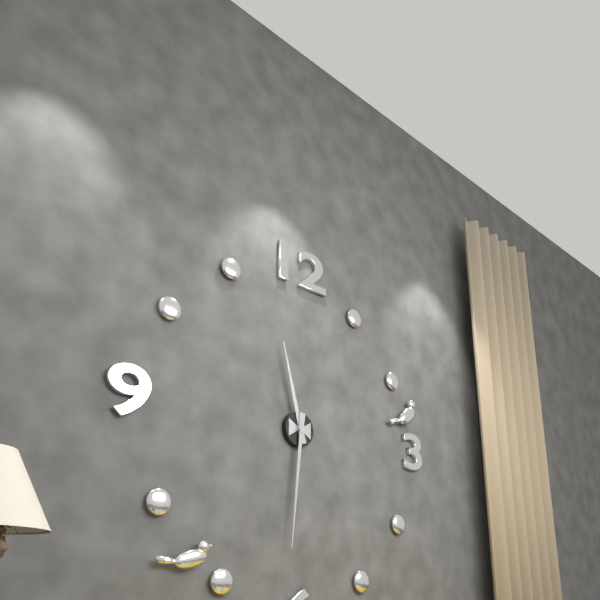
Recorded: **11:31**
